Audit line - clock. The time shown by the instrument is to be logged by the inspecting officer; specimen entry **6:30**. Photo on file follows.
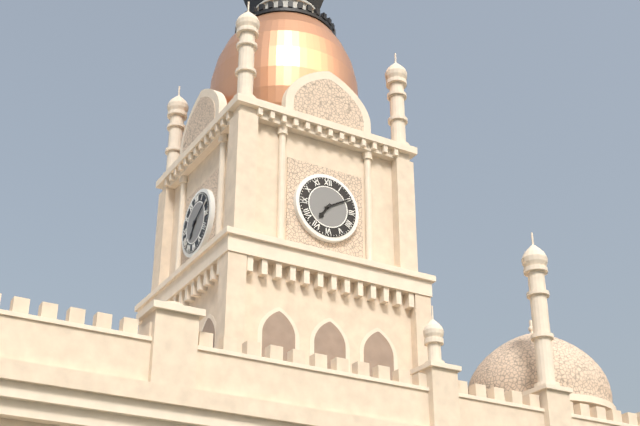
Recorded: **7:10**
